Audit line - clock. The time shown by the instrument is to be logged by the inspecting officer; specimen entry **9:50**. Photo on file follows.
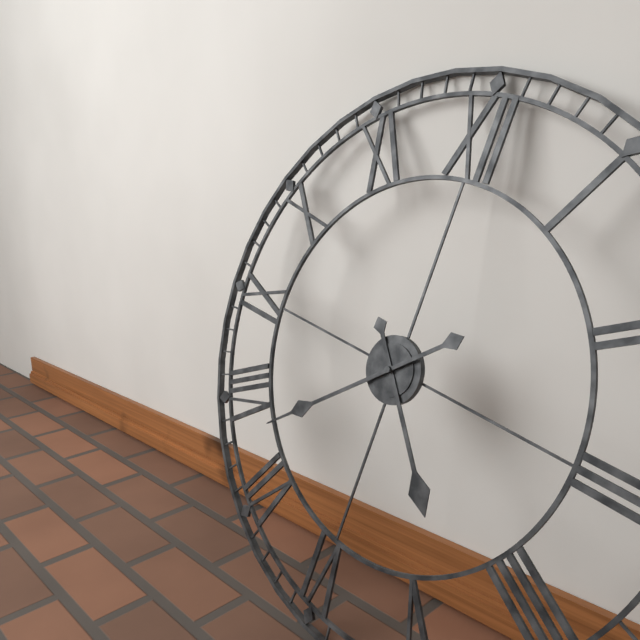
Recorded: **4:38**
